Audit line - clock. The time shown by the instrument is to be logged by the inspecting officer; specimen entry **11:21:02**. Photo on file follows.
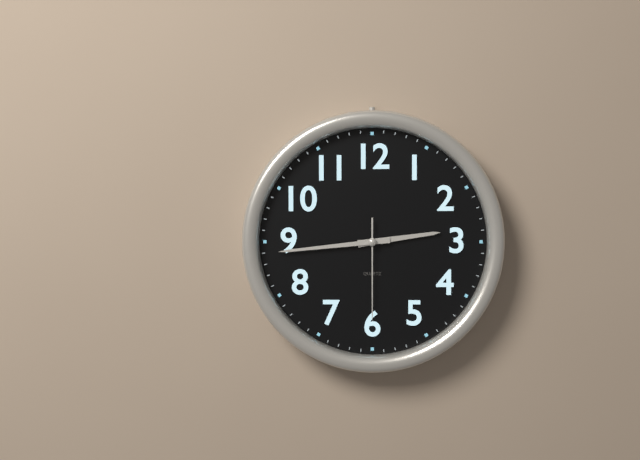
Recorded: **2:44:30**
